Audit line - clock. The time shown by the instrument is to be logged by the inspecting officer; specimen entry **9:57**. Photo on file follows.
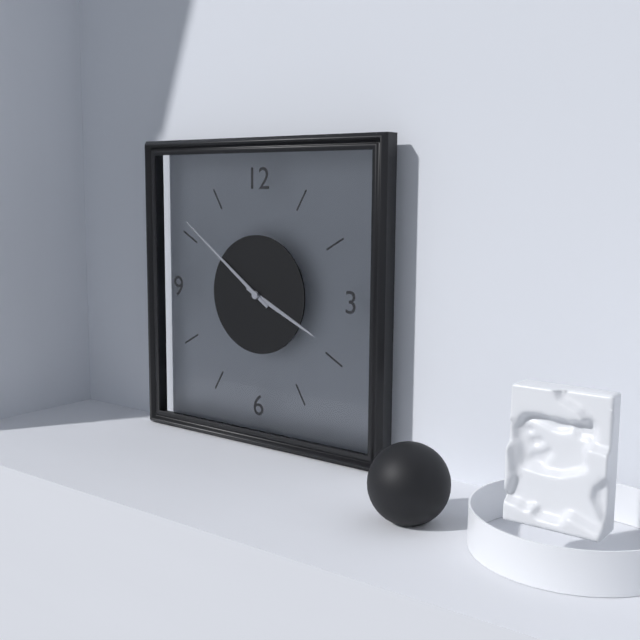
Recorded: **3:51**
